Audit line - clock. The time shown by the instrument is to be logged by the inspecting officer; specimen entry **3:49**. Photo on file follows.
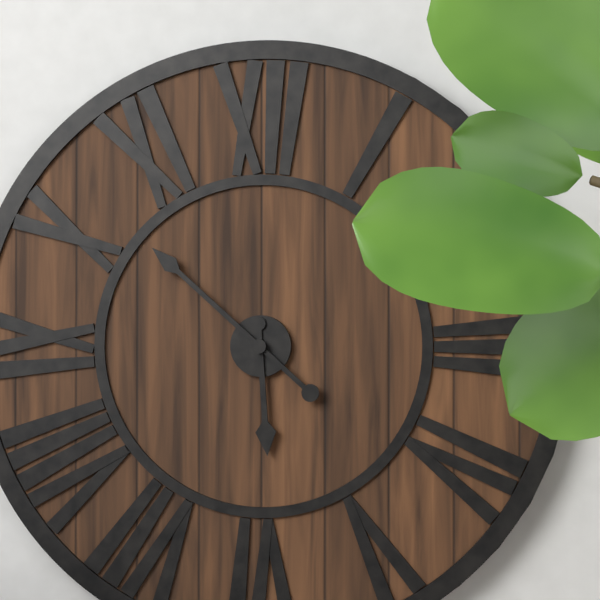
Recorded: **5:52**
